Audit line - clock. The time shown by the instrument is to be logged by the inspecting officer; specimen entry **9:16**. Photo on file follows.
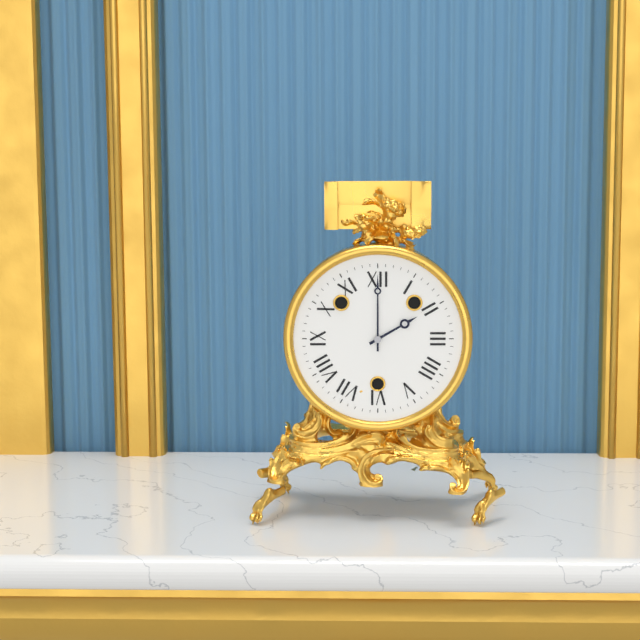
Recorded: **2:00**
